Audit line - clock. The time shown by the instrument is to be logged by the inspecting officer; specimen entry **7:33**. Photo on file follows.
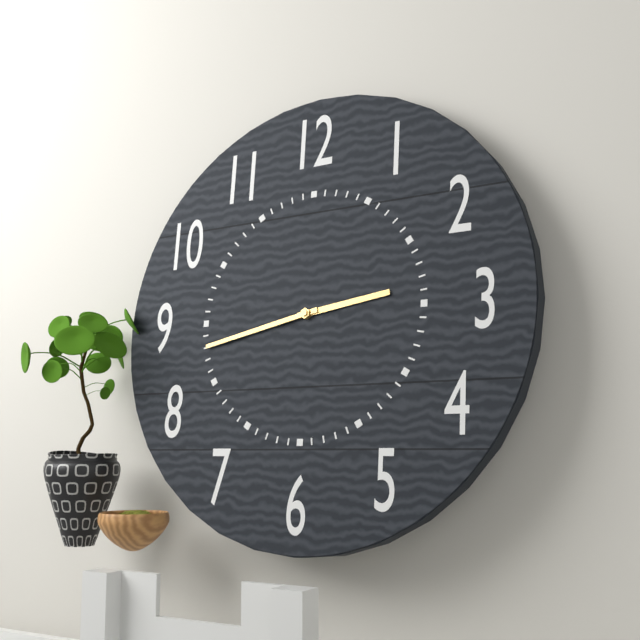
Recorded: **2:43**
